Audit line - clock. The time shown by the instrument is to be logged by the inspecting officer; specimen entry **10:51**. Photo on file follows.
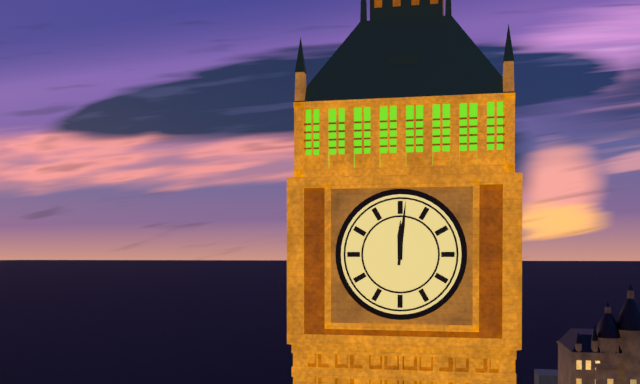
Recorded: **12:01**
